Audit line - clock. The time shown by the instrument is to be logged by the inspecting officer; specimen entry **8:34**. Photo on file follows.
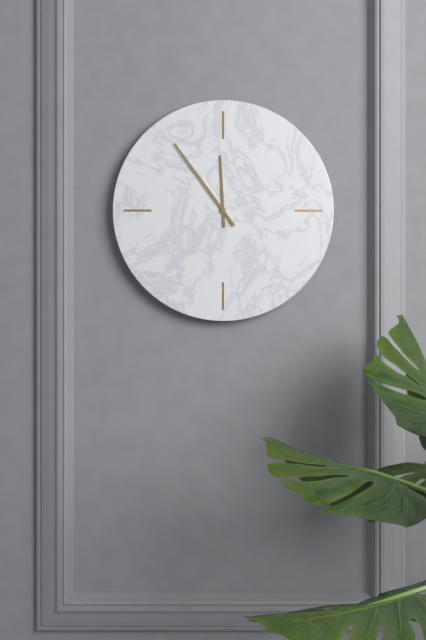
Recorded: **11:54**
